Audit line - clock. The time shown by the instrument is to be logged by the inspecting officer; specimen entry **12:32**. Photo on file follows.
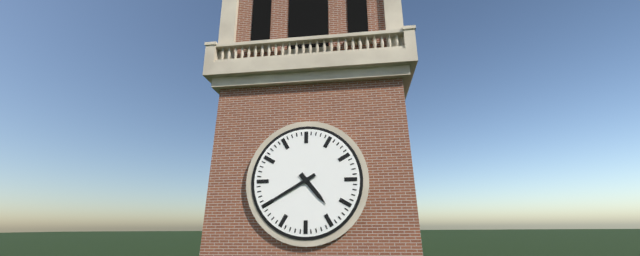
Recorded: **4:40**
